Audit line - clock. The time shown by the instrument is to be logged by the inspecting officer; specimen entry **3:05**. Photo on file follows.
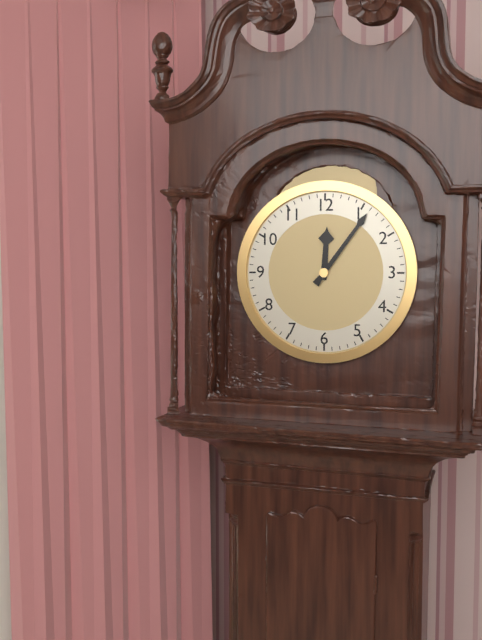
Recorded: **12:06**
